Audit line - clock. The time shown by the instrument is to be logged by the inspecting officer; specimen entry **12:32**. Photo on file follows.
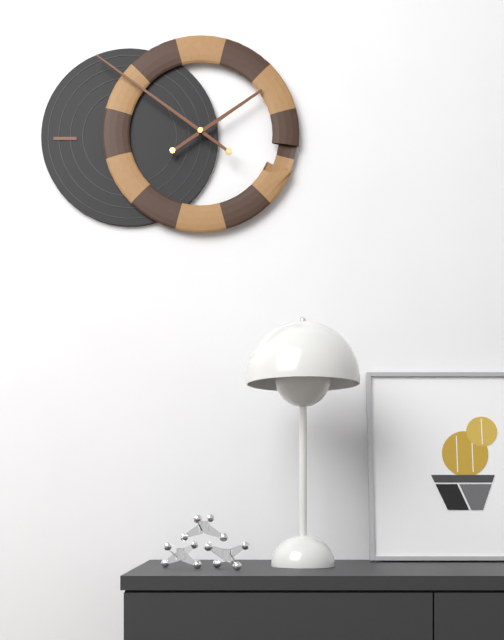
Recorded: **1:51**
